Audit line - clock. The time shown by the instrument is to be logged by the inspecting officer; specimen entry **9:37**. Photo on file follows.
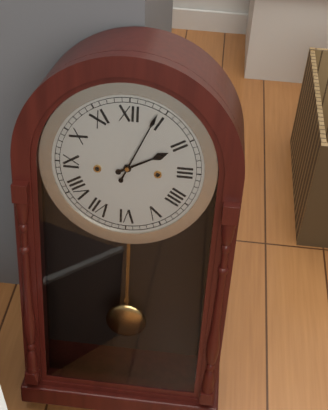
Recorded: **2:04**
